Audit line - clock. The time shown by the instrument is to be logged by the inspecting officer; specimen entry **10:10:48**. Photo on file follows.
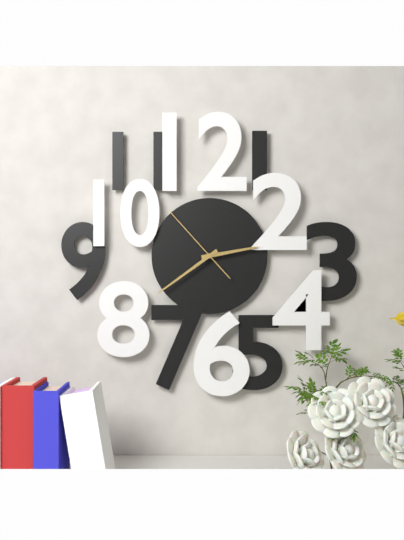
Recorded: **2:39:53**
